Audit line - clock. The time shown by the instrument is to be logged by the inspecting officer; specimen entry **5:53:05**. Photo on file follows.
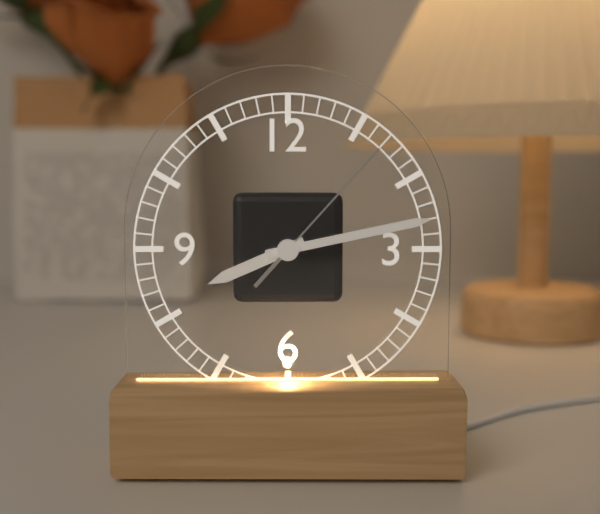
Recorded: **8:13:07**
